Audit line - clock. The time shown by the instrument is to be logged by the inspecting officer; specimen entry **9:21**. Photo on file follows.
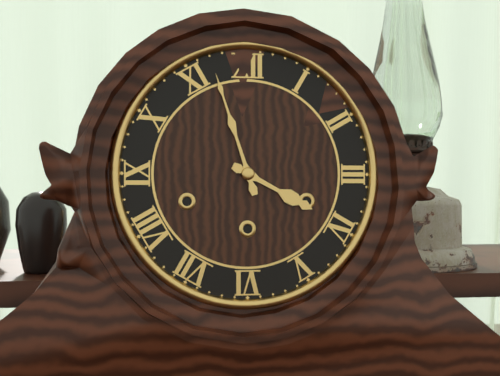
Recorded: **3:57**
